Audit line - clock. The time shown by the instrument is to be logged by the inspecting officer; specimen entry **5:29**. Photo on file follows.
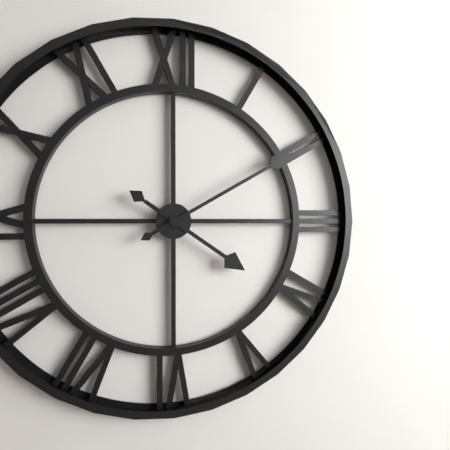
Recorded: **4:10**
